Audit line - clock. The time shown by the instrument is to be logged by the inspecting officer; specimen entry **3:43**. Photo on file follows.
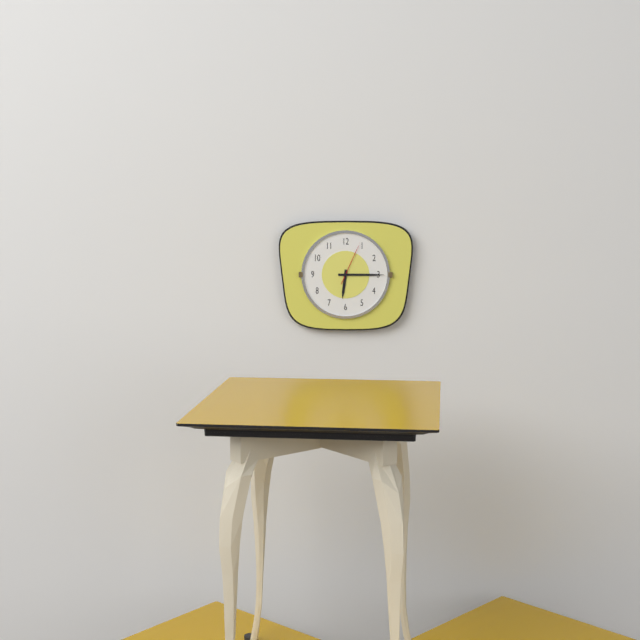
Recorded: **6:15**
